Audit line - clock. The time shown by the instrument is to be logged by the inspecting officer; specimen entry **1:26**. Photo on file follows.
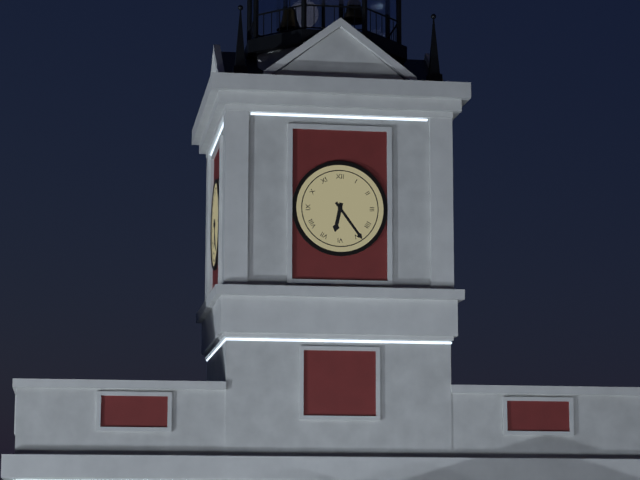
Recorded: **6:24**
